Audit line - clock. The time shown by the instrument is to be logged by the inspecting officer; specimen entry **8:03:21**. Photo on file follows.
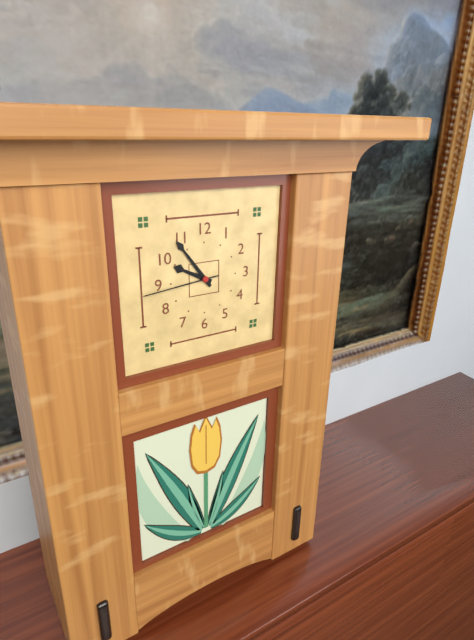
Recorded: **9:54:44**
